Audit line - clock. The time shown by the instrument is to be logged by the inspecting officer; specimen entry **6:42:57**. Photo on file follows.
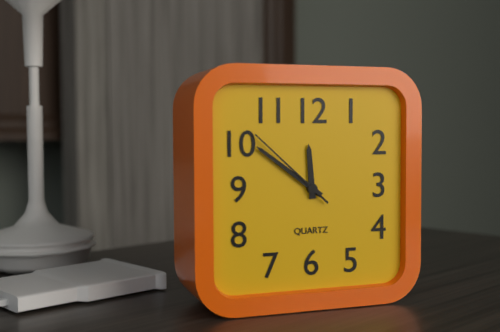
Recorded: **11:51:52**
